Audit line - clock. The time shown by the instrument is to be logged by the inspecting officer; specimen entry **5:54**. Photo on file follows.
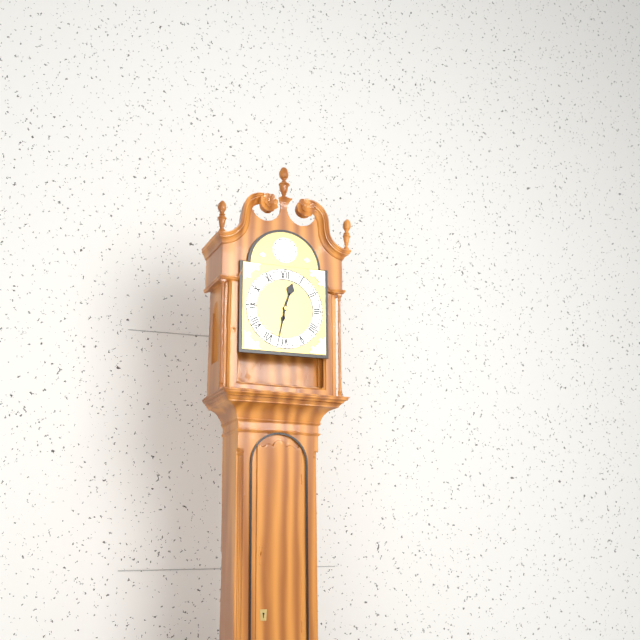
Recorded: **12:32**
